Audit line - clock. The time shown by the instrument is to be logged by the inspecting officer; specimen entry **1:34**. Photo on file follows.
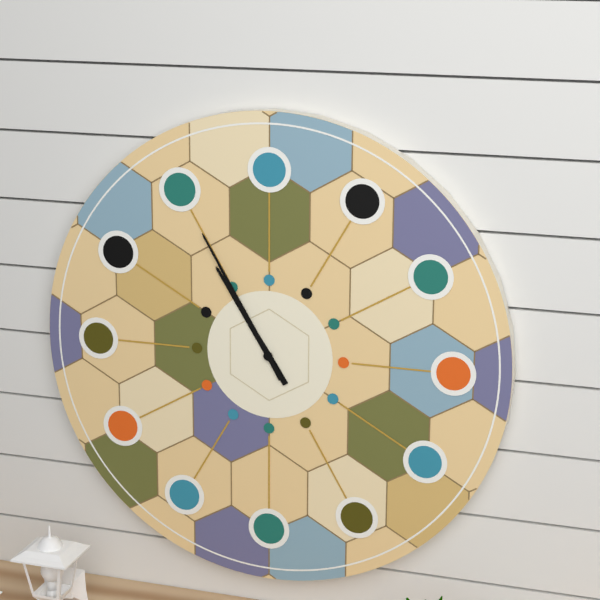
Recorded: **10:55**
